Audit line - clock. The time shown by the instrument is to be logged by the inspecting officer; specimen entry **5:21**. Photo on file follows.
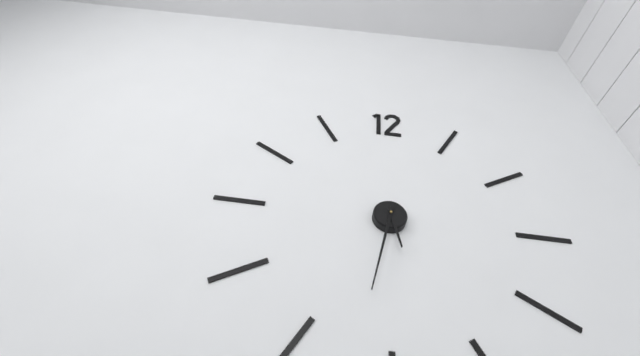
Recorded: **5:32**
